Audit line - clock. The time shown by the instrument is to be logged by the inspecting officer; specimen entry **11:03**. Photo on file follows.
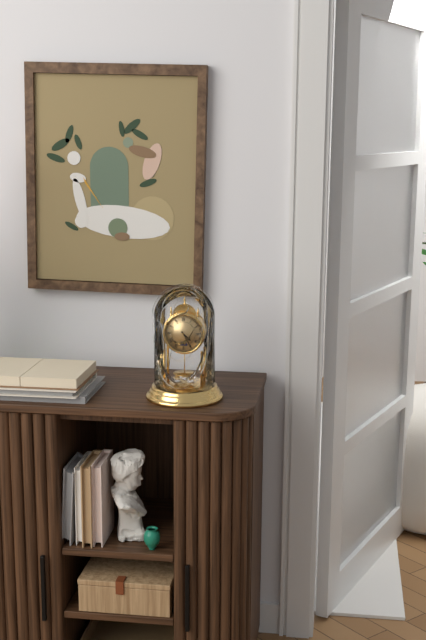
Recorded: **4:25**
